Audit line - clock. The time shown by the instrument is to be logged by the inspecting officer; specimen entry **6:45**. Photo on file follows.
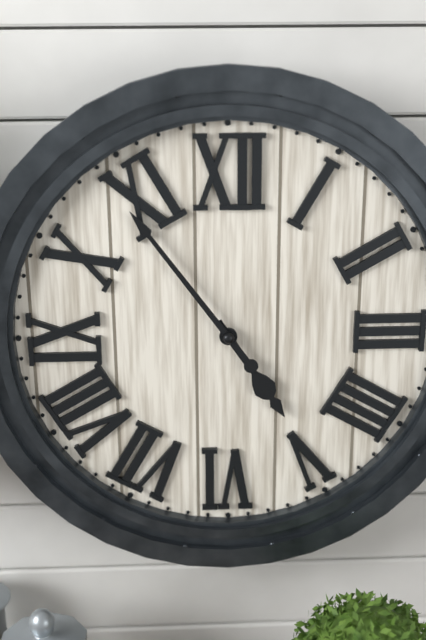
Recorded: **4:54**
